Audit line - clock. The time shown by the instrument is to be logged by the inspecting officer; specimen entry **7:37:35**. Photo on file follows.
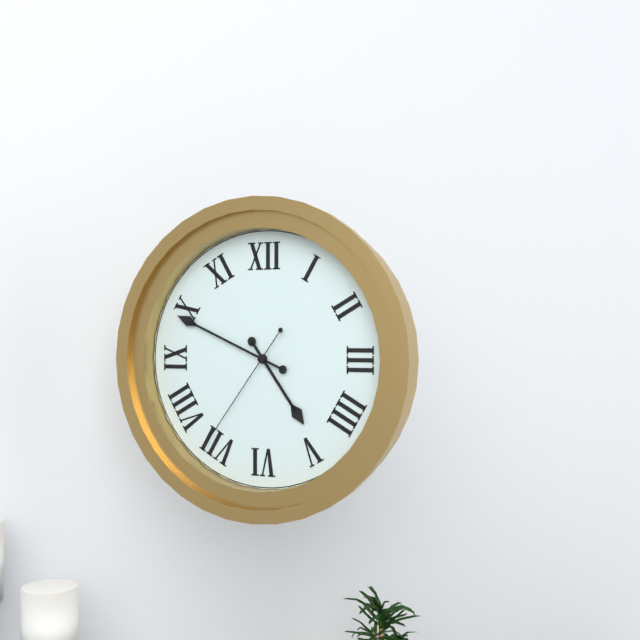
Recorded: **4:49:36**
